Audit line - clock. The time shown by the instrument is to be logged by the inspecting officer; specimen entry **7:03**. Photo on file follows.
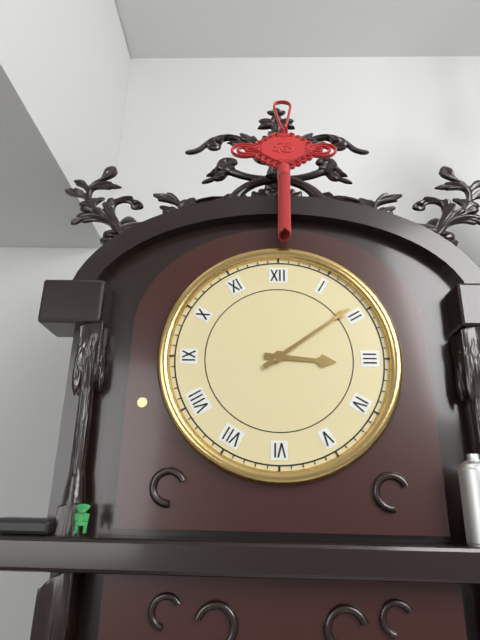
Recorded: **3:09**
